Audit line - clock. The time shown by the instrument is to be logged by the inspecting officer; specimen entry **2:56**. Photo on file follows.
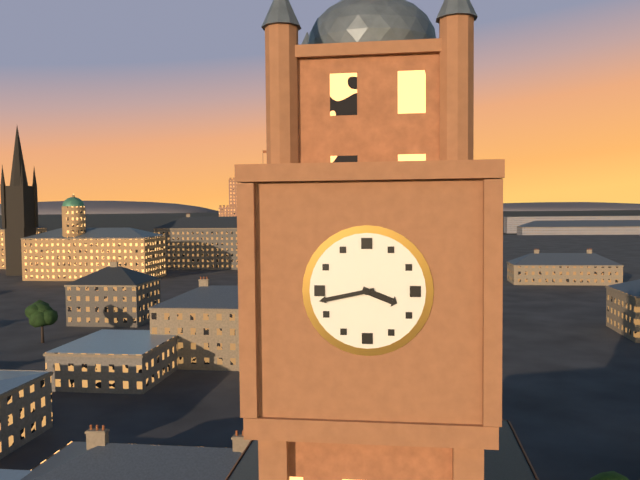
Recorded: **3:43**
